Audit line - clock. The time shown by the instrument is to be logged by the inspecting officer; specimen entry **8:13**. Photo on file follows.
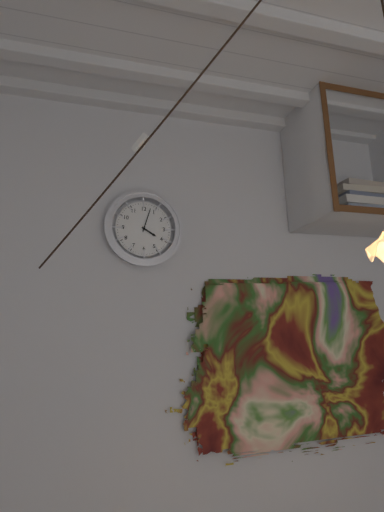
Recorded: **4:03**
